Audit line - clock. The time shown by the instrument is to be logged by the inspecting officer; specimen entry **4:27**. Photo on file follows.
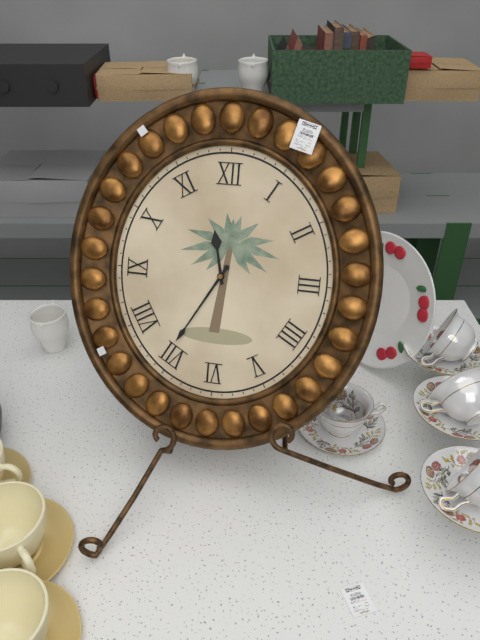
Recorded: **11:35**
